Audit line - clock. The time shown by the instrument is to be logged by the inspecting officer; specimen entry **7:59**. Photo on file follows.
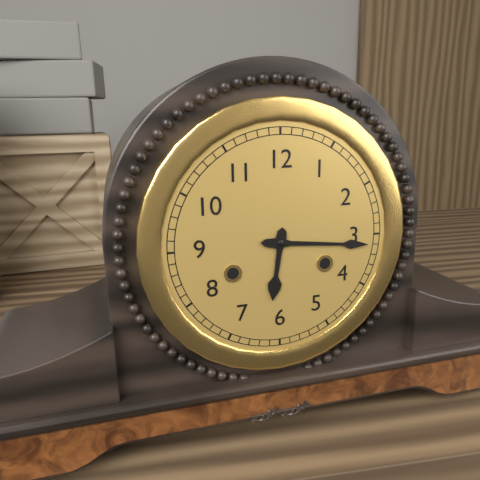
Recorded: **6:16**
